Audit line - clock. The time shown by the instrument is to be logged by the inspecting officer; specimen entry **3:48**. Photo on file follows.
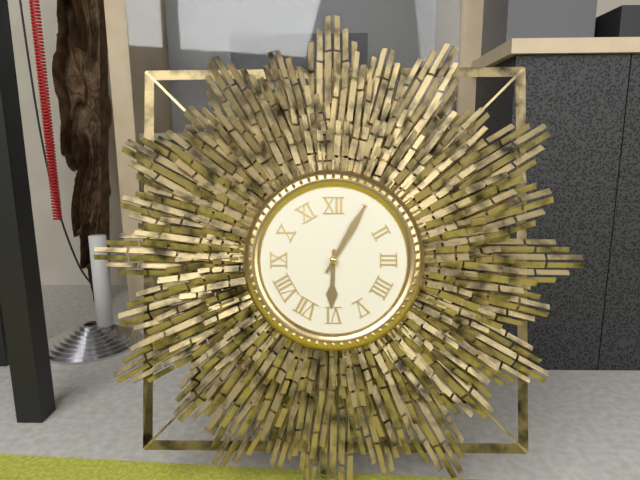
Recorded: **6:05**
